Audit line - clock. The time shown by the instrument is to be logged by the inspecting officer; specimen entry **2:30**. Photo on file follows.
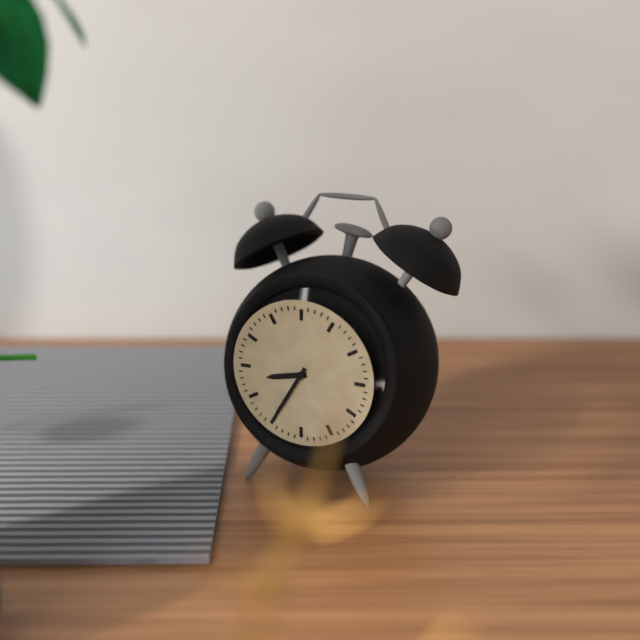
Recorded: **8:35**
